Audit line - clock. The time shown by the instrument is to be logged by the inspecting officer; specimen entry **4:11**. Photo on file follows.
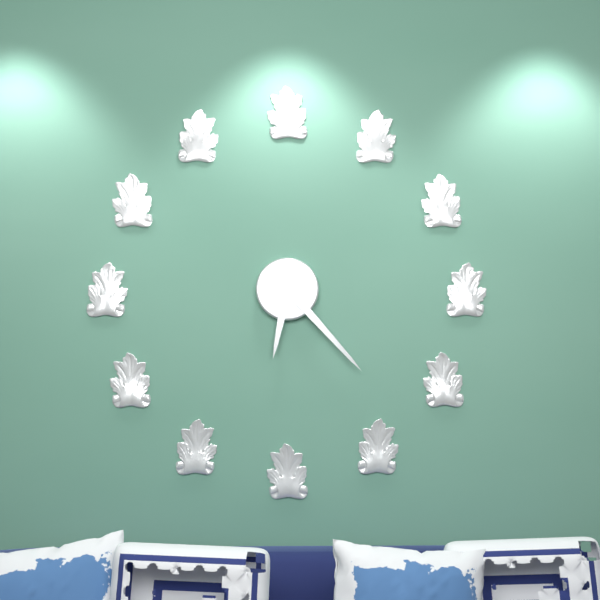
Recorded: **6:23**
